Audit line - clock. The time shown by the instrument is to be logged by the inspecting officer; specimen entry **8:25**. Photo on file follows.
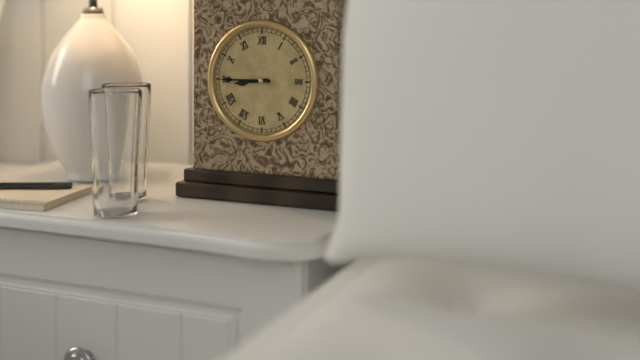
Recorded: **8:45**
